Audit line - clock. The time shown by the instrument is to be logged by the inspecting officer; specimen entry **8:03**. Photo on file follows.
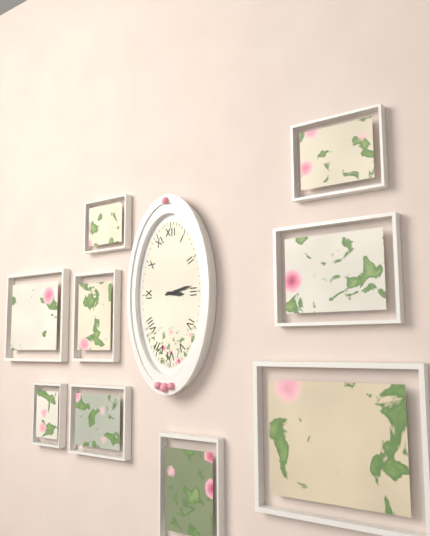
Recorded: **3:13**
